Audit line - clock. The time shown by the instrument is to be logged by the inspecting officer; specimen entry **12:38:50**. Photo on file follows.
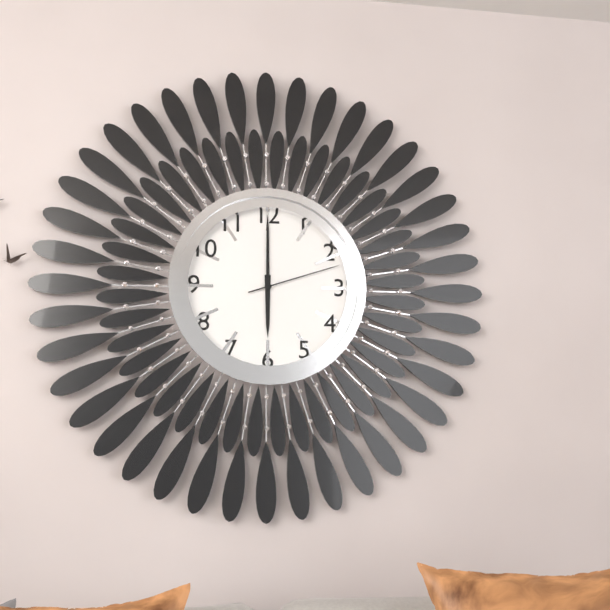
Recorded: **6:00:12**
